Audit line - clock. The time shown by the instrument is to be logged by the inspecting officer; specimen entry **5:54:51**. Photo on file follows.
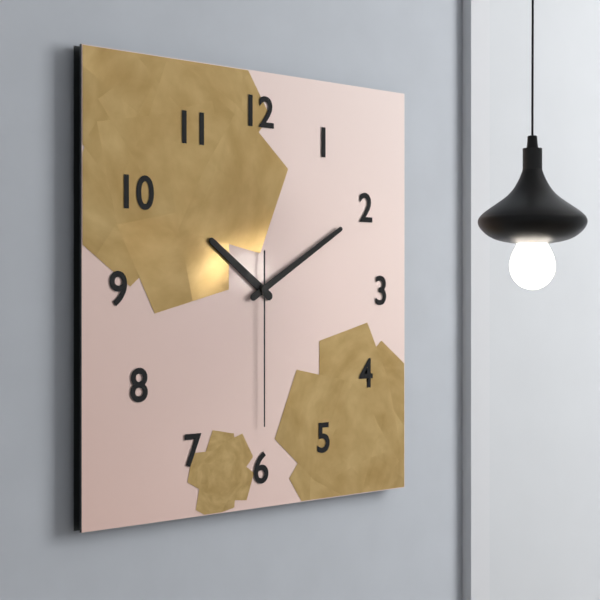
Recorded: **10:10:30**
